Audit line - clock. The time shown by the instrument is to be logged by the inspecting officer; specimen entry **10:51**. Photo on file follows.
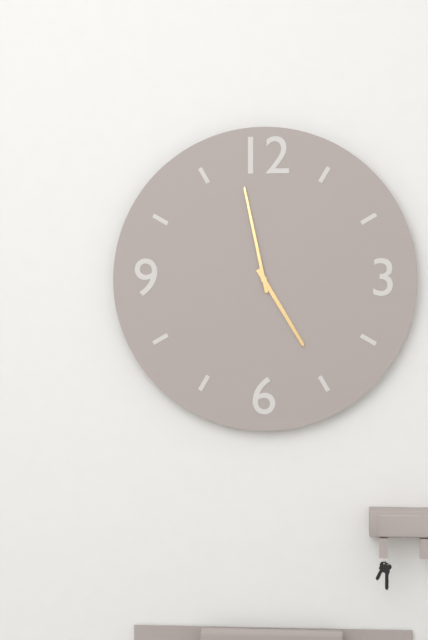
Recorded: **4:58**
